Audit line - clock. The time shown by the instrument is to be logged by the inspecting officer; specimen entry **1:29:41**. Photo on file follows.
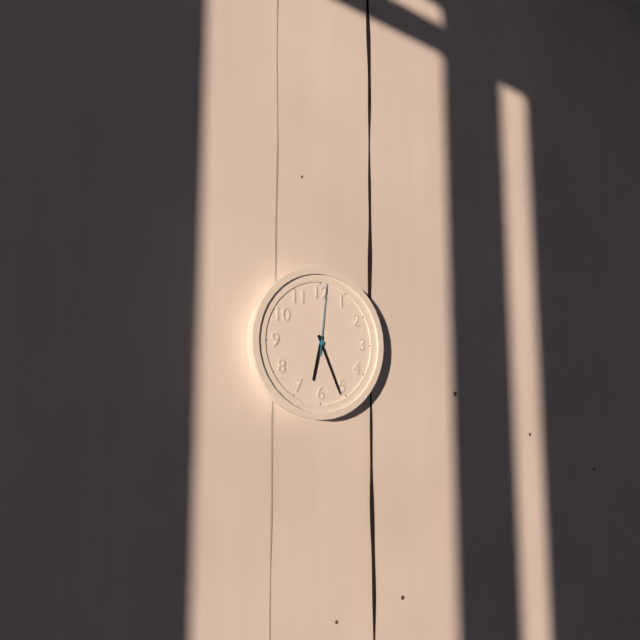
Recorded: **6:26:01**
